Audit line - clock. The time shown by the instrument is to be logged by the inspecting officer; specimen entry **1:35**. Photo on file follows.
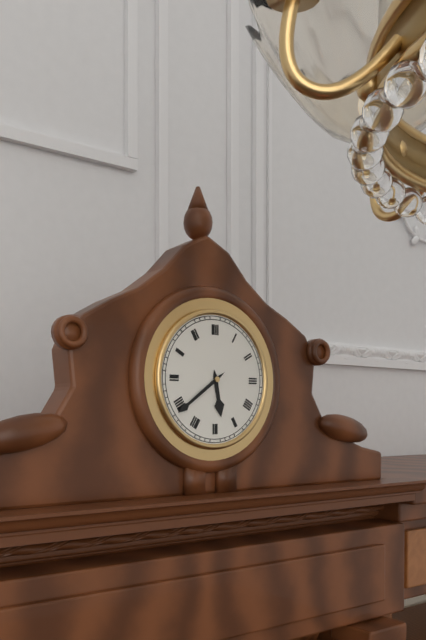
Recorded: **5:39**
